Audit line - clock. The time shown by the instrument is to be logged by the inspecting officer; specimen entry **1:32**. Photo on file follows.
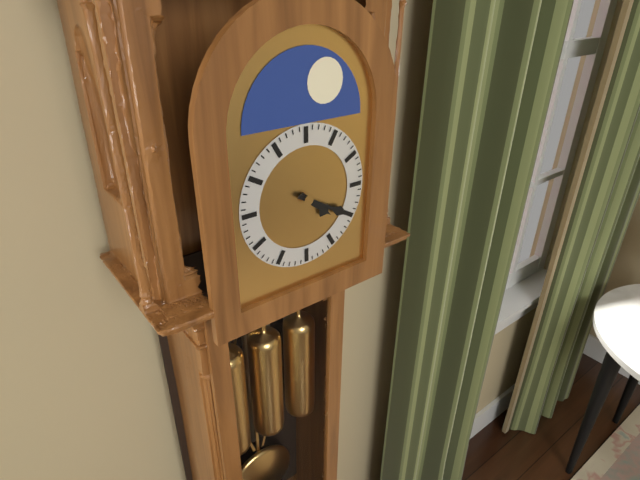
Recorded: **4:20**
